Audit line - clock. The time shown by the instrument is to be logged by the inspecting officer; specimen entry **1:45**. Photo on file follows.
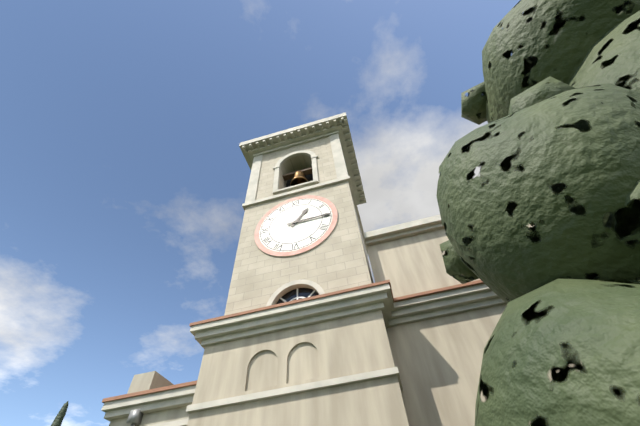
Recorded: **1:15**
